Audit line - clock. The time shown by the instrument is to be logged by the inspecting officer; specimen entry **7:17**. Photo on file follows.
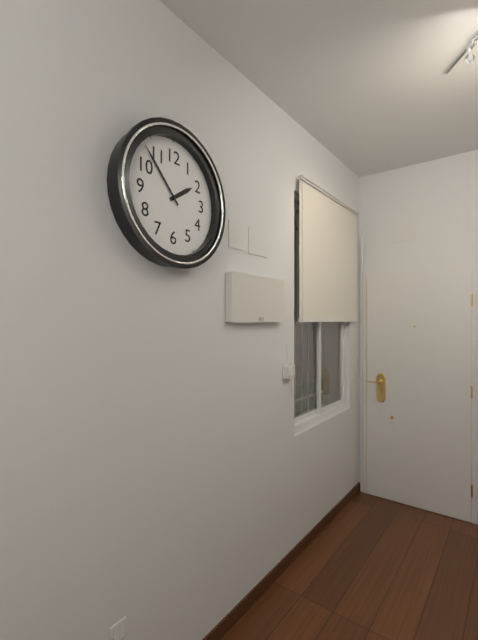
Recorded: **1:53**
